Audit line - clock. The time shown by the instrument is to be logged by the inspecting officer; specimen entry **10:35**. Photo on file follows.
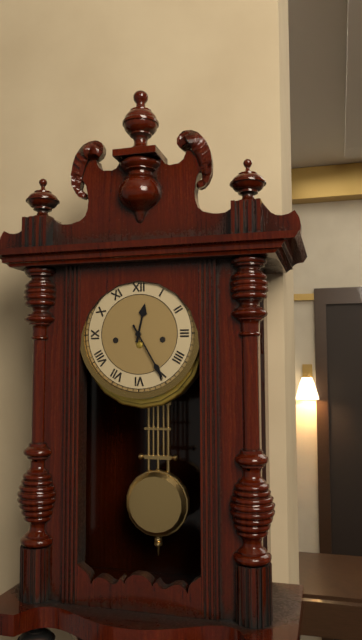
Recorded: **12:25**
